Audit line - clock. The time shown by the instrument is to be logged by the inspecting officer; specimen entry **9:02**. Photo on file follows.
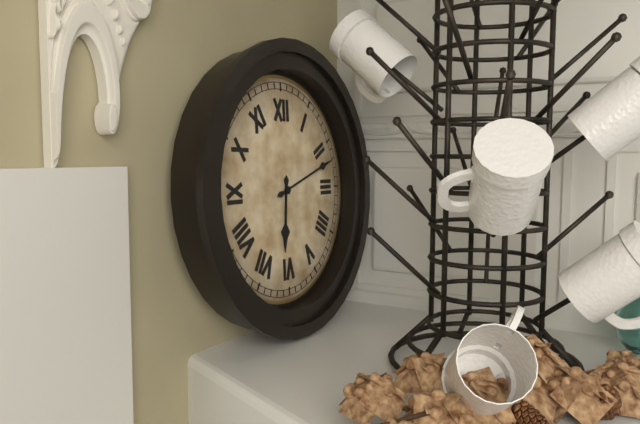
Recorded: **6:12**
